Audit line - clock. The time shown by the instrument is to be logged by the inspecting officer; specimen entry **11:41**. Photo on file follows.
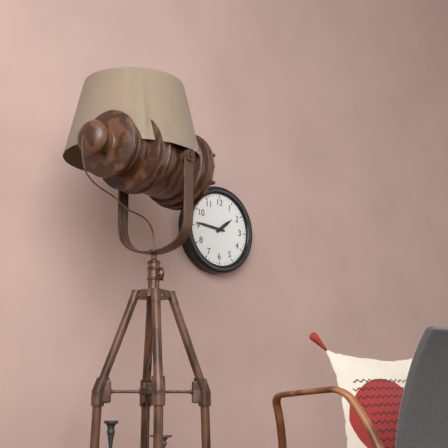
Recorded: **1:46**
